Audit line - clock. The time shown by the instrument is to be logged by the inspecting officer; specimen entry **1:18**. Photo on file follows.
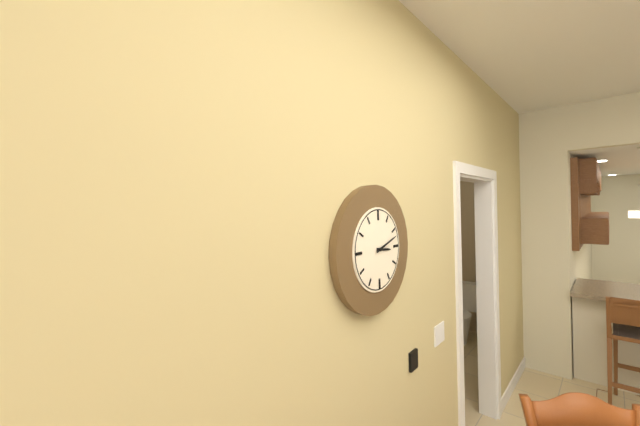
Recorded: **3:12**
